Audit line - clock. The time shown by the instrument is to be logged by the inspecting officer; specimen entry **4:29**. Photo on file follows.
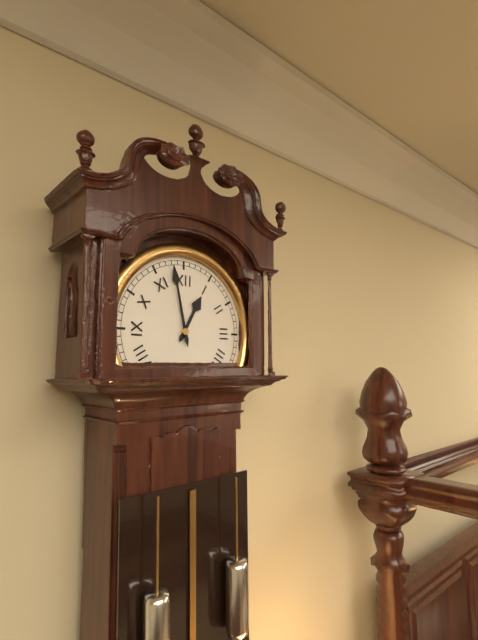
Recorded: **12:58**
